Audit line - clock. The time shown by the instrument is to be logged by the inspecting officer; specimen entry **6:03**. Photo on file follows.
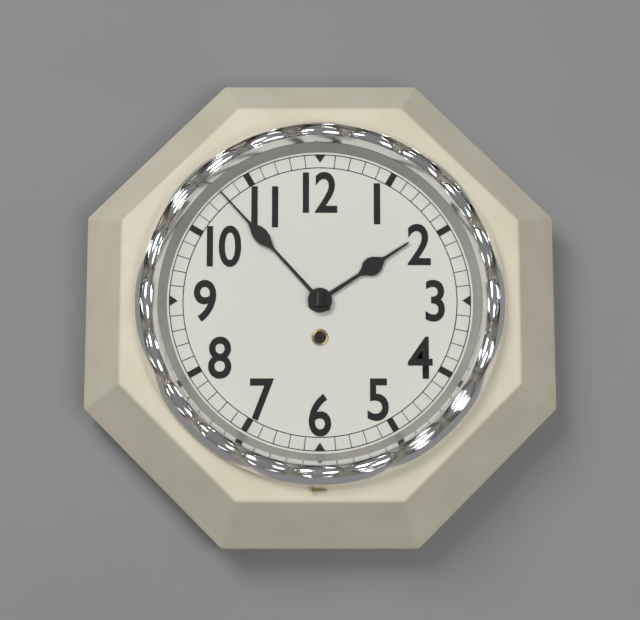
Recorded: **1:53**
